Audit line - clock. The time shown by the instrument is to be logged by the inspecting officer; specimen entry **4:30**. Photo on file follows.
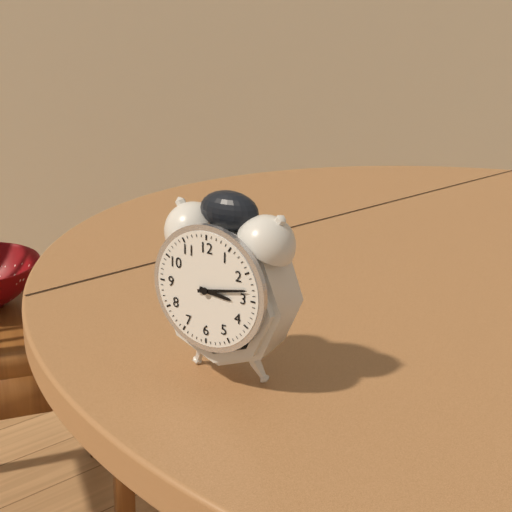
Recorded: **3:13**
